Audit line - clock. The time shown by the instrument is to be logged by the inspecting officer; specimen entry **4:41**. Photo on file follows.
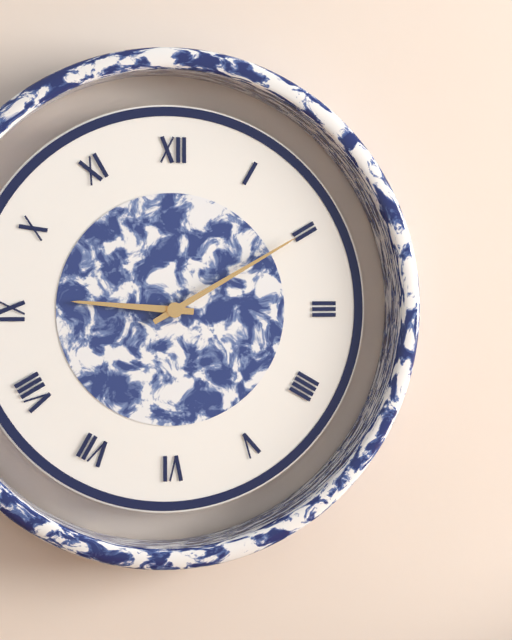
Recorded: **9:10**
